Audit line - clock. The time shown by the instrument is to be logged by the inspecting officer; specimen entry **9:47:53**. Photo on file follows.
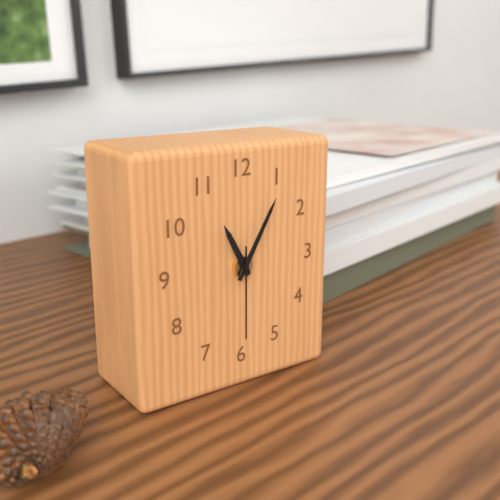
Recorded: **11:05:30**
